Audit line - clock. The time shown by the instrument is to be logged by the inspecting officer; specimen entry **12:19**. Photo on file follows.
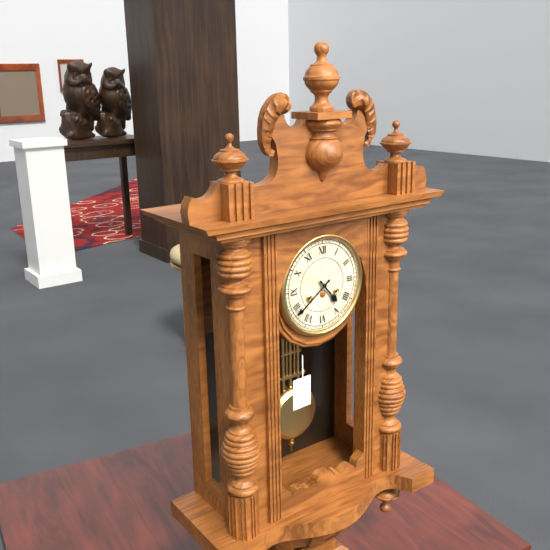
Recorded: **4:39**
